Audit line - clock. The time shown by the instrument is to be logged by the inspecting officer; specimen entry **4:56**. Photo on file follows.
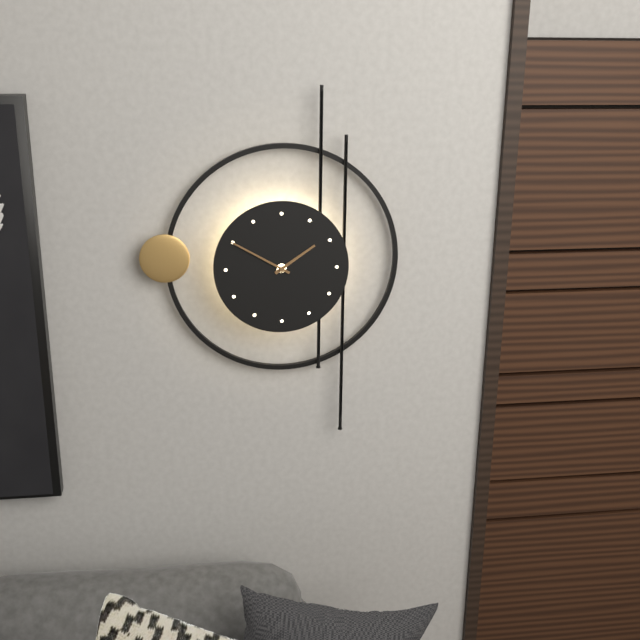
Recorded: **1:50**
